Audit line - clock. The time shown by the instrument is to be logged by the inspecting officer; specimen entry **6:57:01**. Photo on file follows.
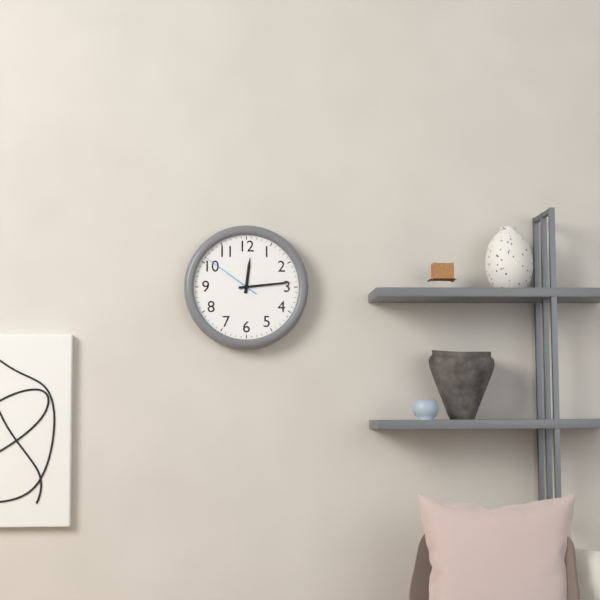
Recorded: **12:14:51**
